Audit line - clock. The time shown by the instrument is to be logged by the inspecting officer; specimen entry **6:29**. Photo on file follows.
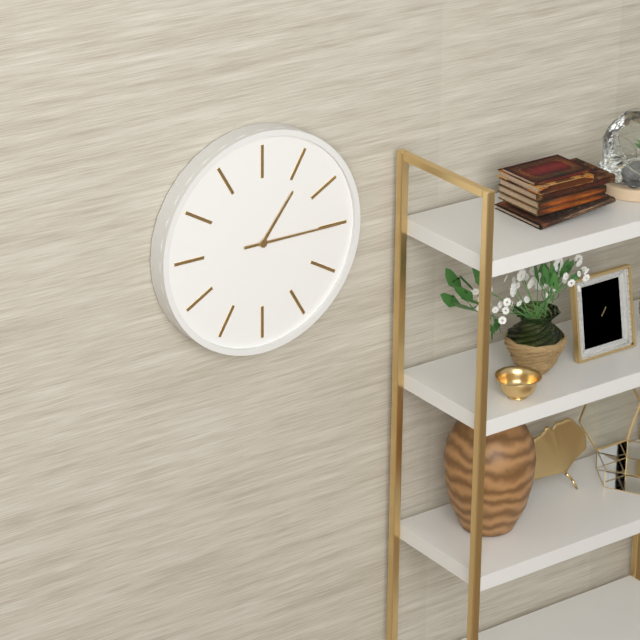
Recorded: **1:15**
